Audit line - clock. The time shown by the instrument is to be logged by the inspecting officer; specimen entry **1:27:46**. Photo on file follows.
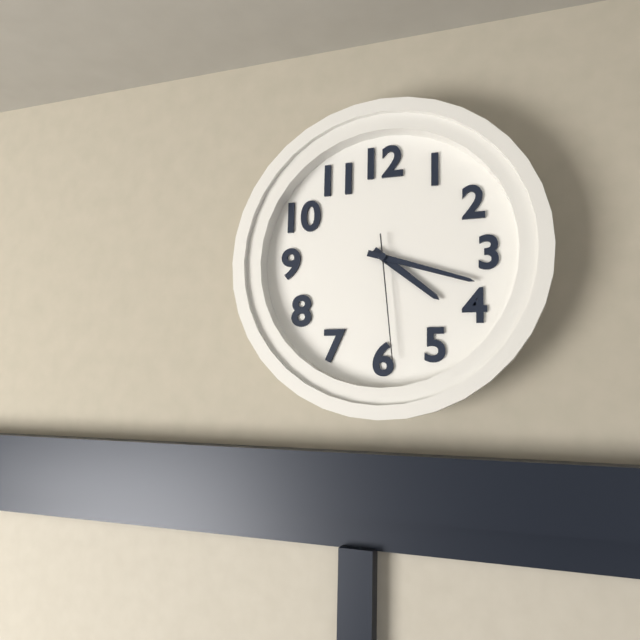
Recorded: **4:18:29**
